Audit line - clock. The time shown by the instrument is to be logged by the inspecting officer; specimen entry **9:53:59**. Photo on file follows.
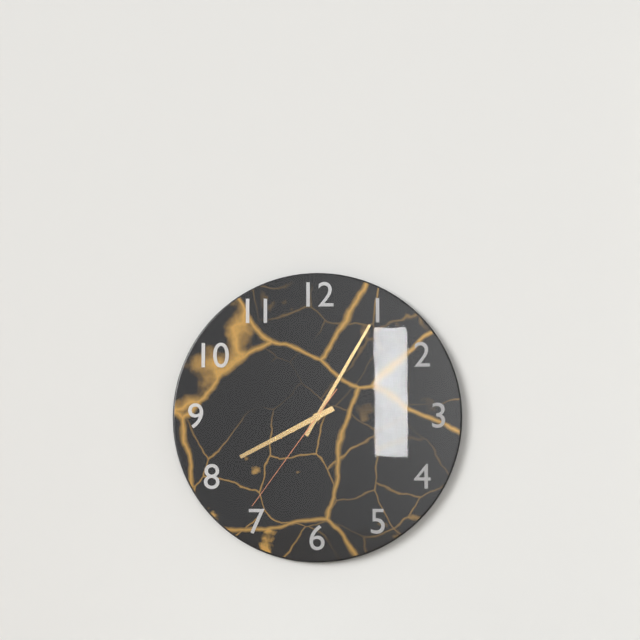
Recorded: **8:05:36**
